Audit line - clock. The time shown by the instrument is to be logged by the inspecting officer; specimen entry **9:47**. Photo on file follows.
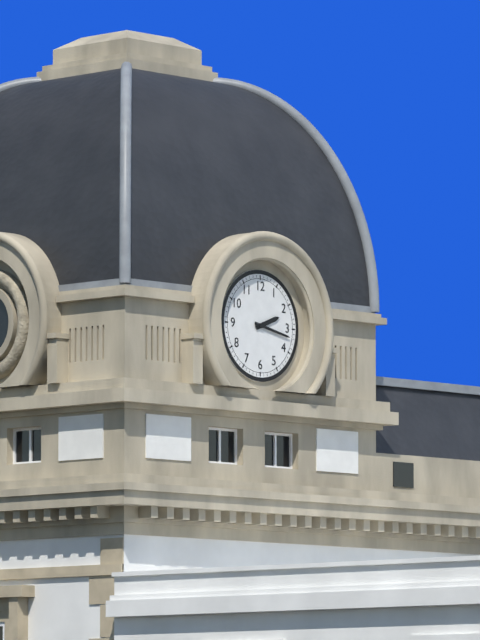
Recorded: **2:17**
